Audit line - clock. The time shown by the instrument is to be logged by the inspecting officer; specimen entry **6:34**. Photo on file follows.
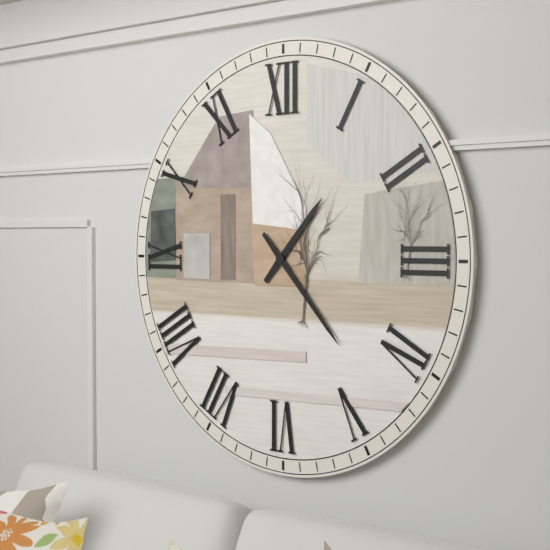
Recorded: **1:23**
